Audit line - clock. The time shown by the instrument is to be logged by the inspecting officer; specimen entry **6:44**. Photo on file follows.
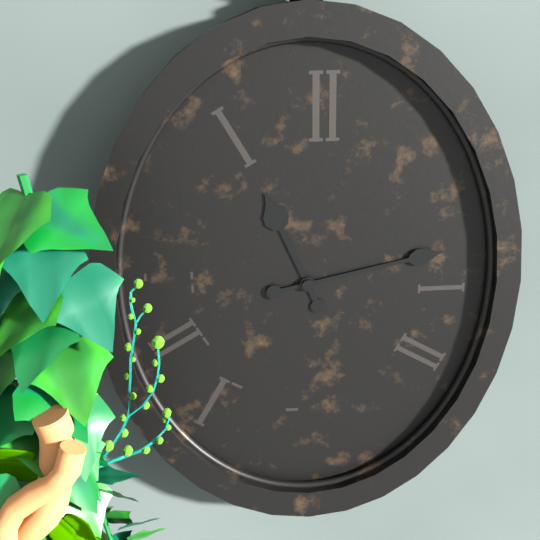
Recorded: **11:13**
